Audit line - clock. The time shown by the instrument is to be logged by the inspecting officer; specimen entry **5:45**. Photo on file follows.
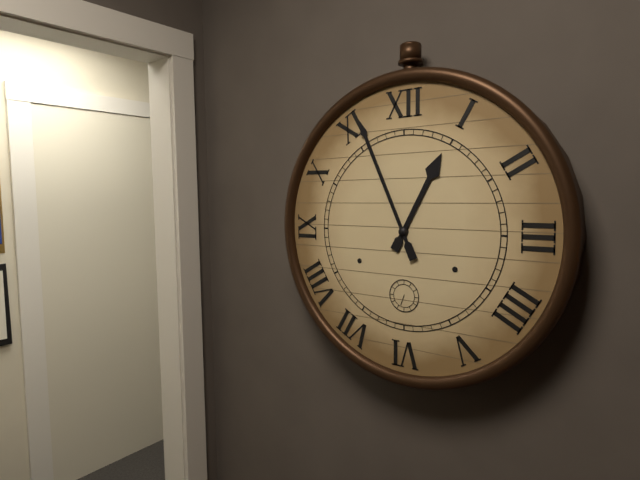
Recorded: **12:56**
